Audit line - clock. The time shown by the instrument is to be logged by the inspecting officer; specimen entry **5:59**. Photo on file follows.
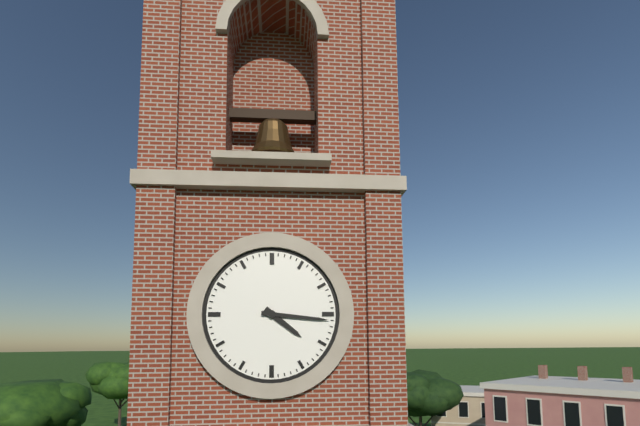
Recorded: **4:16**
